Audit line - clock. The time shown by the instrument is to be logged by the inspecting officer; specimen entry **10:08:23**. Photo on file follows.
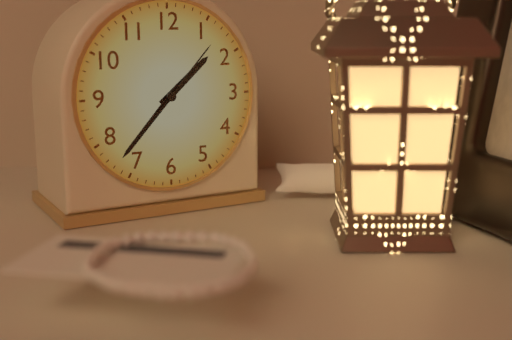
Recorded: **1:37:07**
